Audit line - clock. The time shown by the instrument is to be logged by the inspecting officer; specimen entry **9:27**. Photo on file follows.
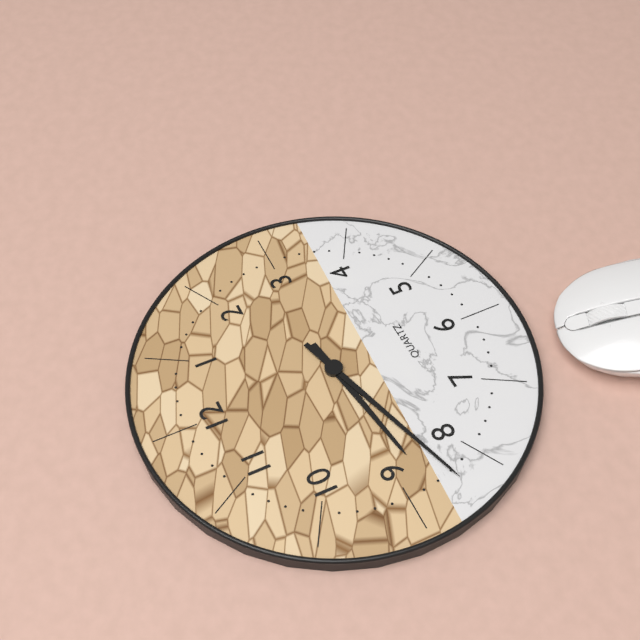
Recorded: **8:42**
